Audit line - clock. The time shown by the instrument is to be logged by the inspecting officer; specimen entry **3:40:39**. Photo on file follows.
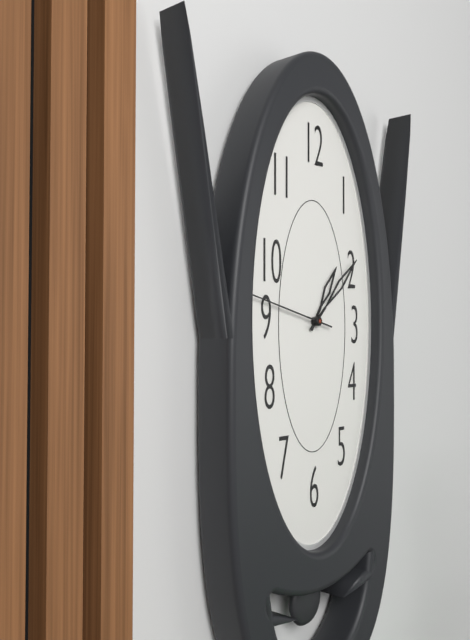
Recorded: **1:08:47**
